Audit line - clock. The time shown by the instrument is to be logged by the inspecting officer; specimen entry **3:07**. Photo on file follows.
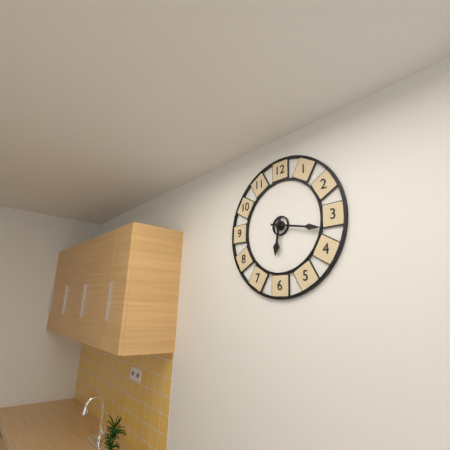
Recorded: **6:17**
